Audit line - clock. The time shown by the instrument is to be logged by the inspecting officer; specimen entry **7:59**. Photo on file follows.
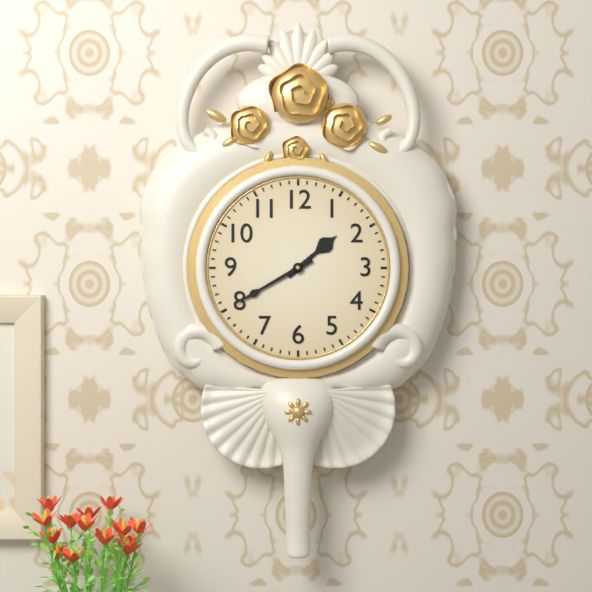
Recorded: **1:40**
